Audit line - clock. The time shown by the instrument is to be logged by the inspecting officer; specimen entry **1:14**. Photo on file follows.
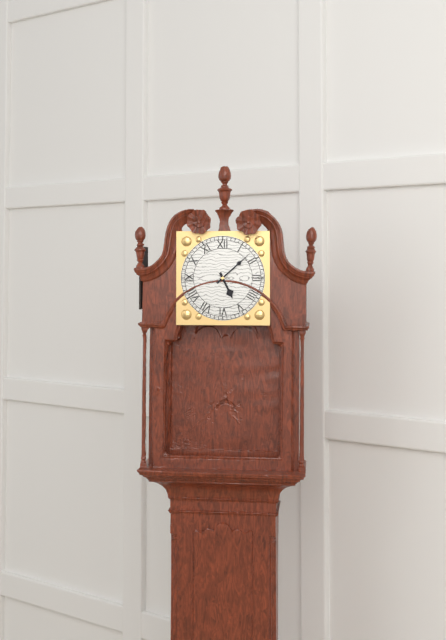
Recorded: **5:08**
